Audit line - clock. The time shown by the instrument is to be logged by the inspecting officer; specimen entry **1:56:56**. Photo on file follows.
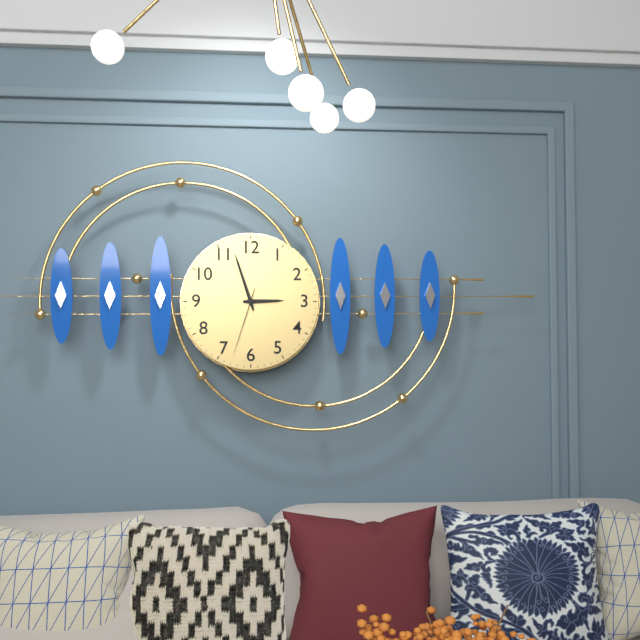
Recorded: **2:57:33**
